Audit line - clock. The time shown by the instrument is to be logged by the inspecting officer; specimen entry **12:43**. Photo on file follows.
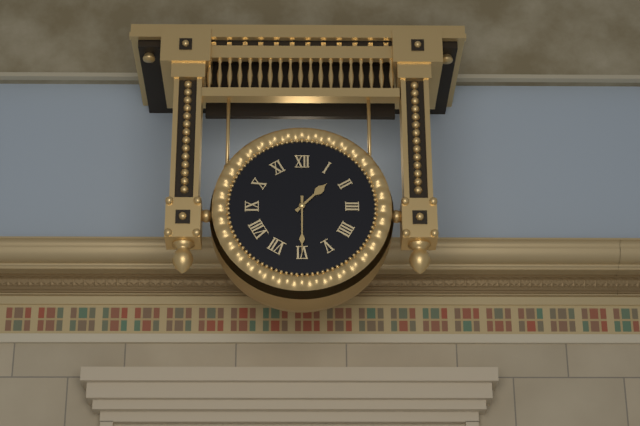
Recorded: **1:30**
